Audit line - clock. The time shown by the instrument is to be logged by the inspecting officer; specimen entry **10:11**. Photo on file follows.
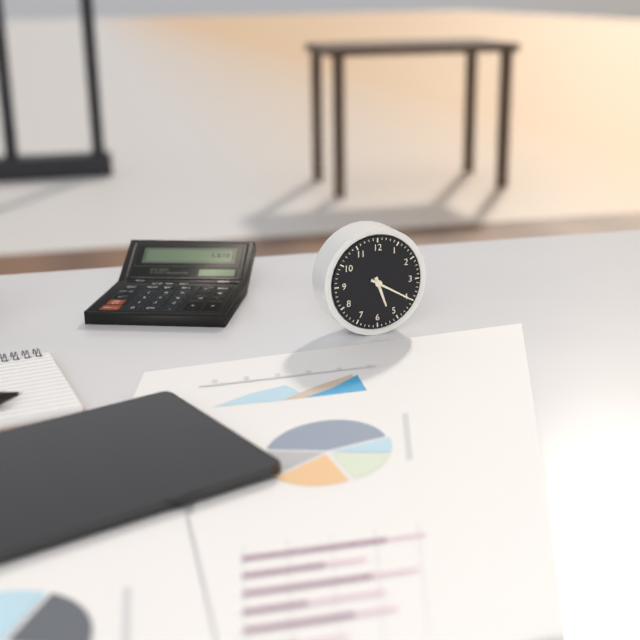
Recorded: **5:20**
